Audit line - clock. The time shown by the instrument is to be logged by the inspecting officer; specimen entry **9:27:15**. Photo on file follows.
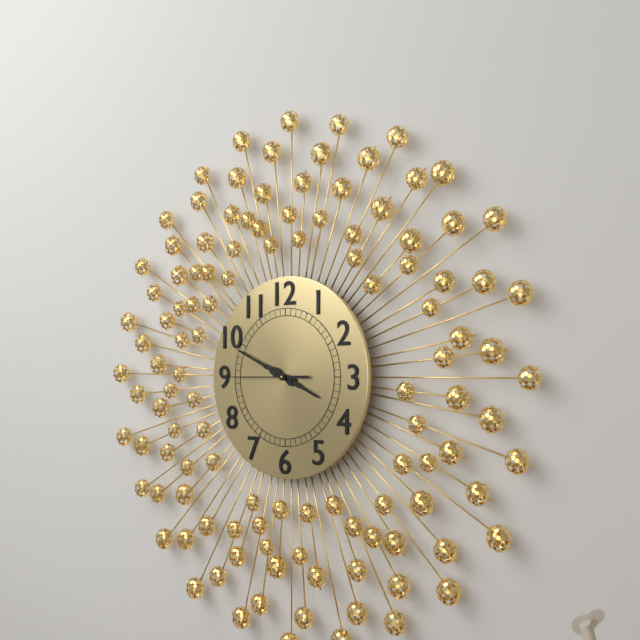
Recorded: **3:49:45**
